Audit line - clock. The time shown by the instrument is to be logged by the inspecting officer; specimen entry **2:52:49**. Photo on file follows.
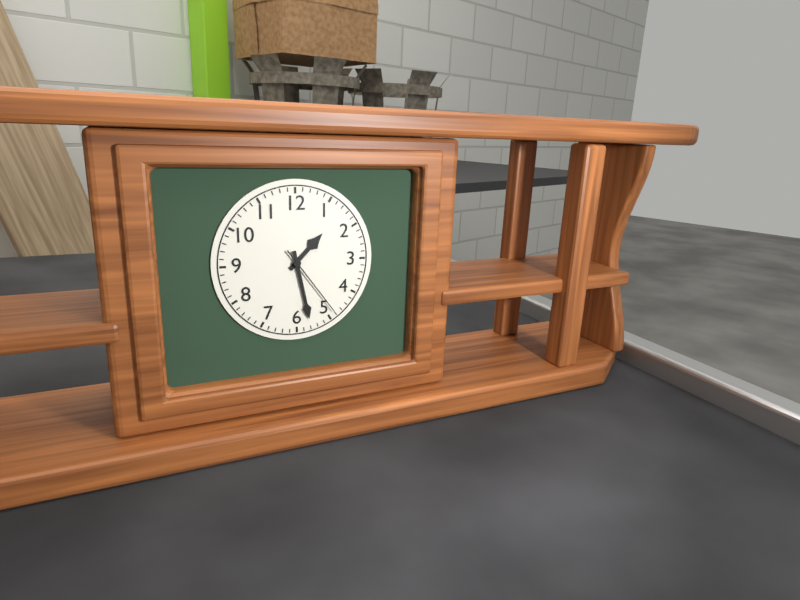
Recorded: **1:28:24**
